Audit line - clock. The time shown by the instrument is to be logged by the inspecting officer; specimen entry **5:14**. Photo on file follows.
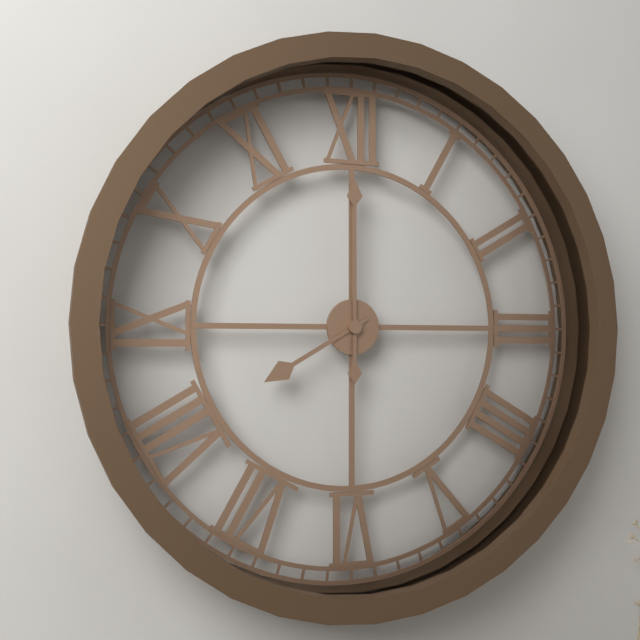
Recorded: **8:00**
